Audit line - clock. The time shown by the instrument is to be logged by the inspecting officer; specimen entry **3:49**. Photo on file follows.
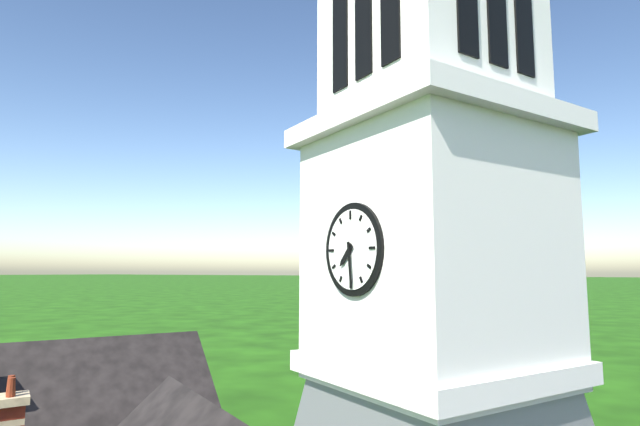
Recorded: **7:29**
